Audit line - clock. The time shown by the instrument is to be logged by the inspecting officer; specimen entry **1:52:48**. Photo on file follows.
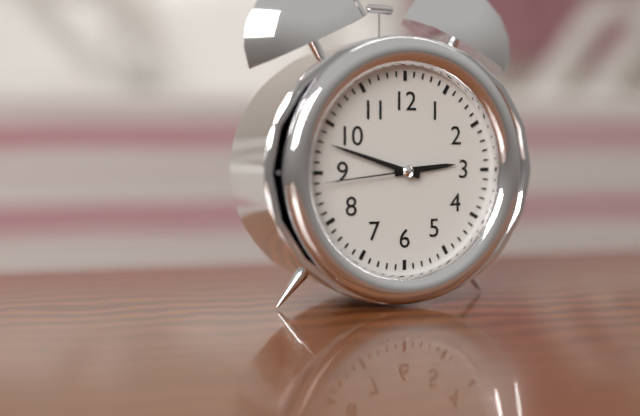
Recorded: **2:48:44**
